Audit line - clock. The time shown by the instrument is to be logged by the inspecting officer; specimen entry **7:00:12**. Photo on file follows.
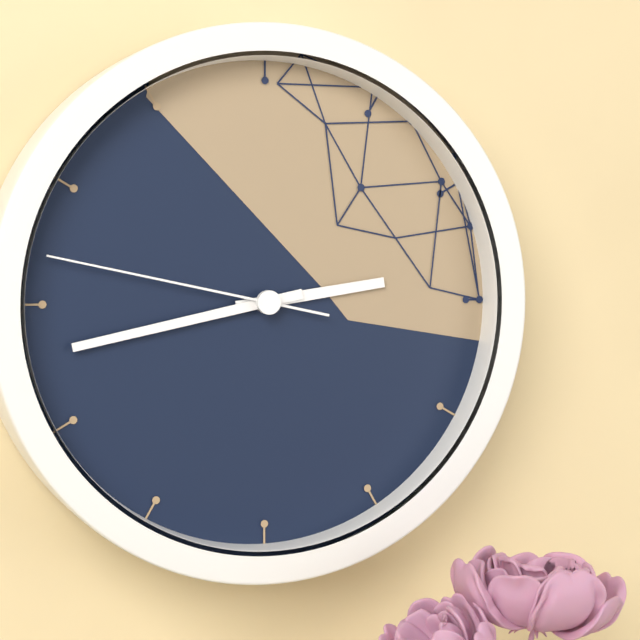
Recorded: **2:43:47**
